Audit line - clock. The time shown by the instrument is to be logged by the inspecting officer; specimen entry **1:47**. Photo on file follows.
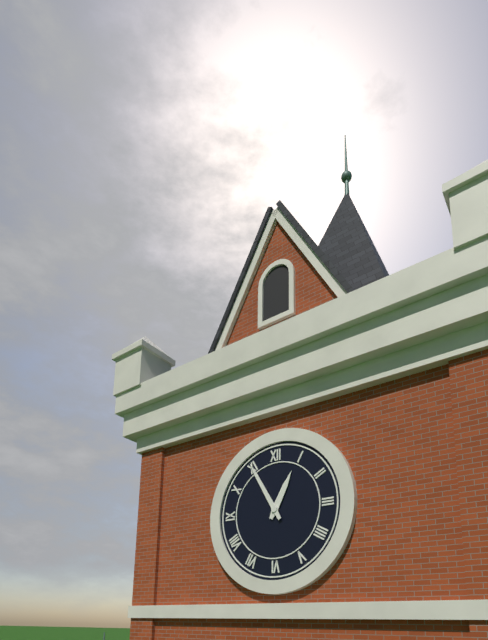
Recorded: **12:55**
